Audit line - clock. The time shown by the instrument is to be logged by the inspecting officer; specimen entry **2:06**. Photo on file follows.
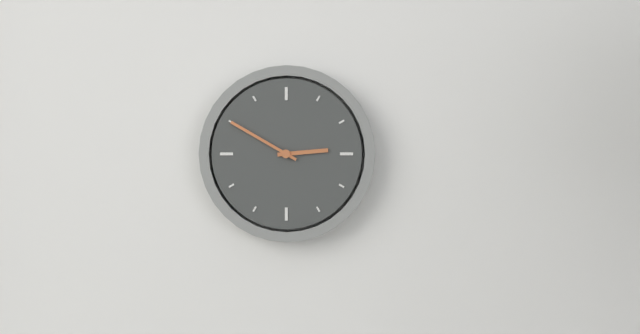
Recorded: **2:50**
